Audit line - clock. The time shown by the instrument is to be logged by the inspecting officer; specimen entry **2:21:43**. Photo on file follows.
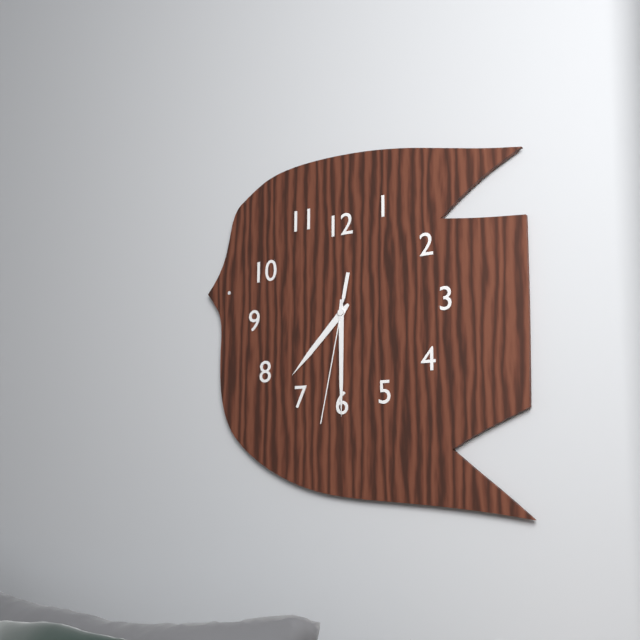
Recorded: **7:30:32**
